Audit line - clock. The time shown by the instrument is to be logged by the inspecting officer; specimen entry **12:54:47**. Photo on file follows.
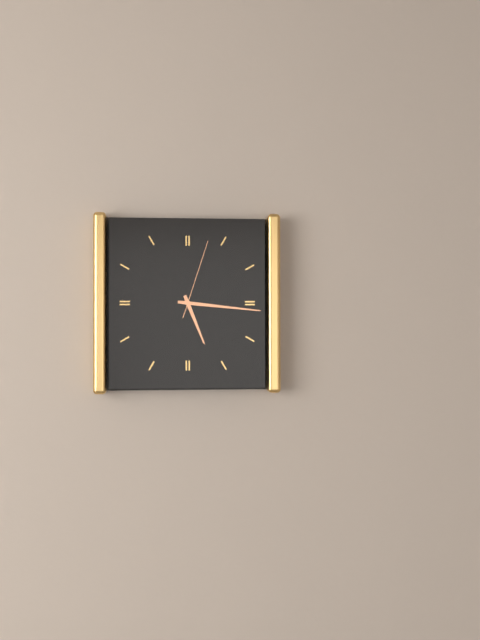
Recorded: **5:16:03**
